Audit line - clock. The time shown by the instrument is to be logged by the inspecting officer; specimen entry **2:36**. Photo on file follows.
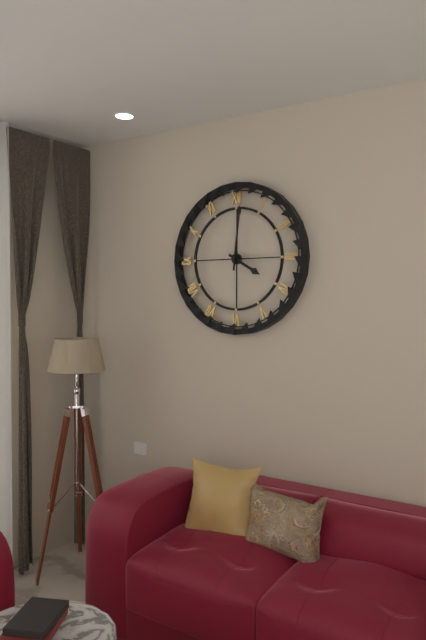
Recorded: **4:01**
